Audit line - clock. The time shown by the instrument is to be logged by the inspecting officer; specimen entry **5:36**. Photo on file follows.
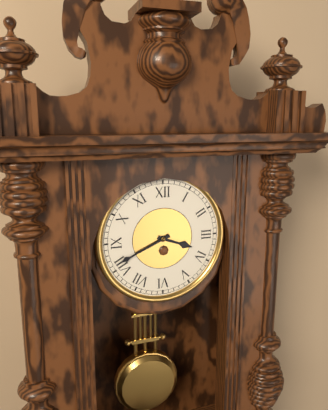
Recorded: **3:41**
